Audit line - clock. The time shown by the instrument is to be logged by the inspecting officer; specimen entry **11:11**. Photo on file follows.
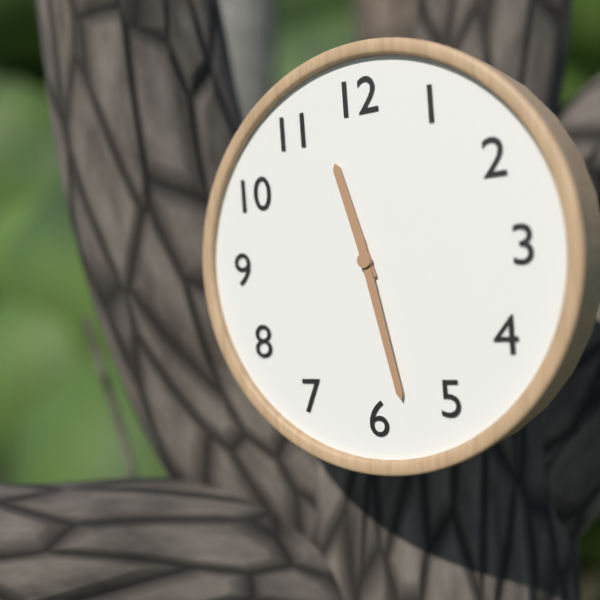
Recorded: **11:28**
